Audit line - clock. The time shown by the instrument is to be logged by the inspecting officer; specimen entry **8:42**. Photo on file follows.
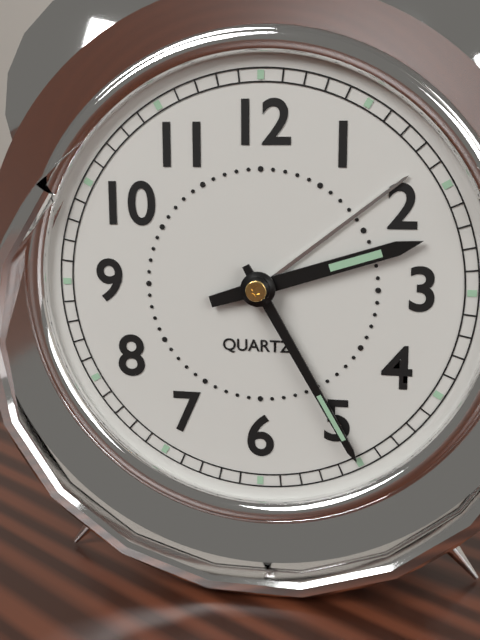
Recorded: **2:25**
